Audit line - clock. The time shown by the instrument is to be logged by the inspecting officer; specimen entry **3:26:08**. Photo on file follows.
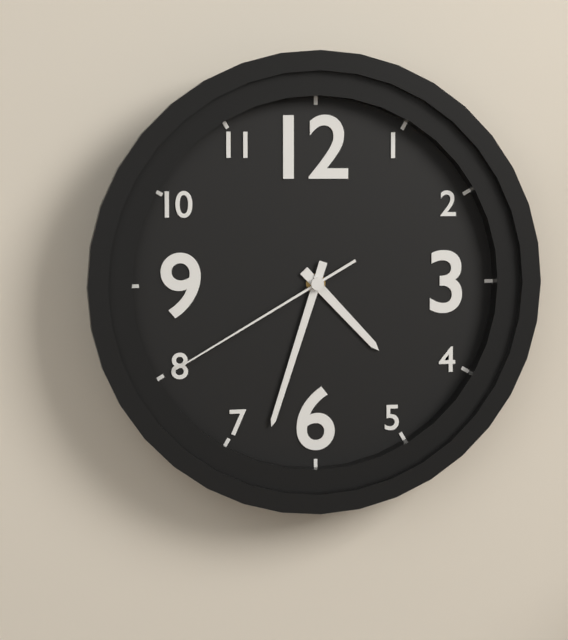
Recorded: **4:33:40**
